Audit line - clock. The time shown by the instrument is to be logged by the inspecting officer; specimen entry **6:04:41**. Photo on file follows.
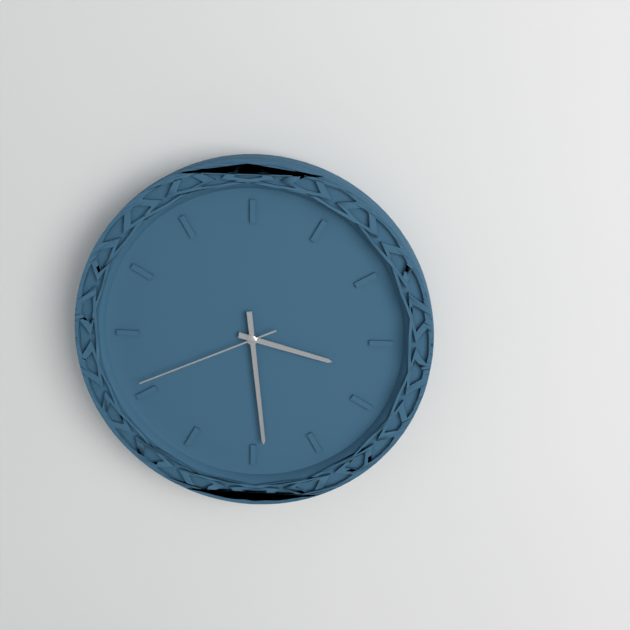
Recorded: **3:29:41**
